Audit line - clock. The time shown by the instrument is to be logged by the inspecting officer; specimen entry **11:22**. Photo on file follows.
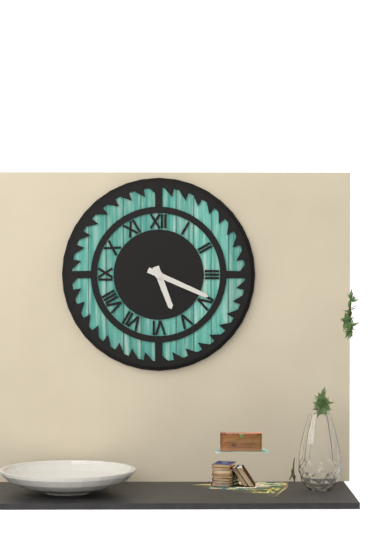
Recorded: **5:19**
